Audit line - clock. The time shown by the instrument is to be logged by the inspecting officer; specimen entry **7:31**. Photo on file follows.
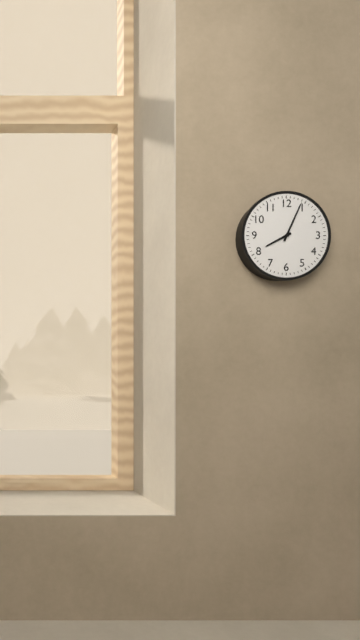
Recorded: **8:04**
